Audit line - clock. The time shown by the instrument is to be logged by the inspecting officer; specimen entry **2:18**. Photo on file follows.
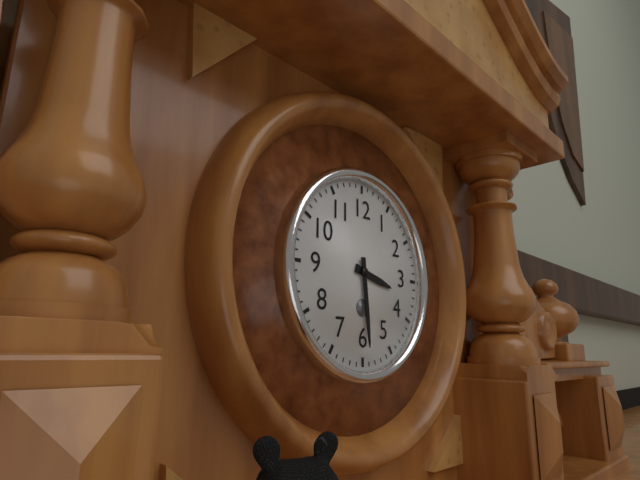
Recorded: **3:29**
